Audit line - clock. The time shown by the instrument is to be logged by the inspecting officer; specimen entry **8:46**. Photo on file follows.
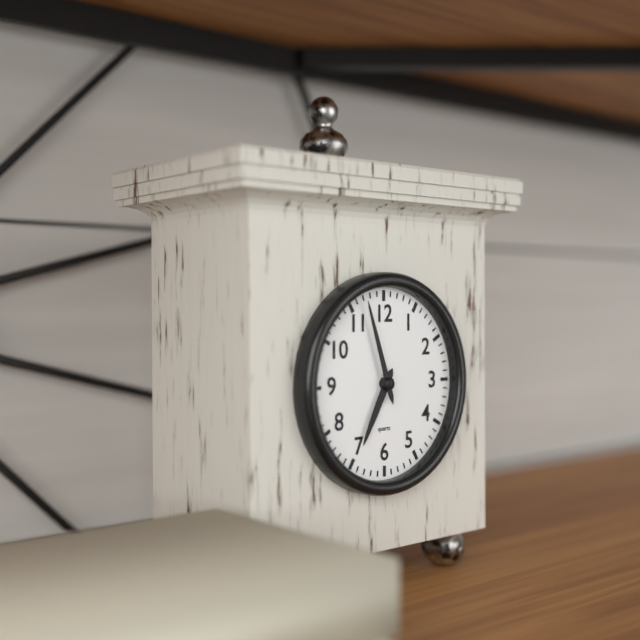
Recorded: **6:57**
